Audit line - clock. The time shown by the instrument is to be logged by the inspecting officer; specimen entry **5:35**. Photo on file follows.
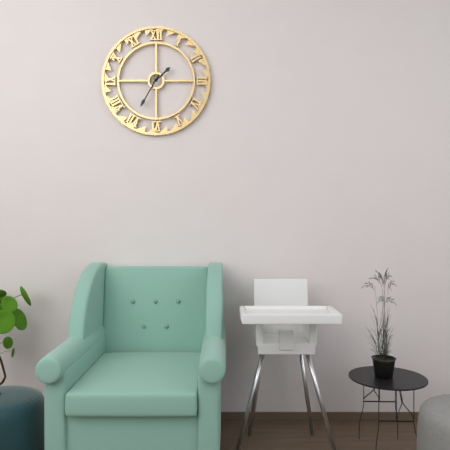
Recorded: **1:35**
